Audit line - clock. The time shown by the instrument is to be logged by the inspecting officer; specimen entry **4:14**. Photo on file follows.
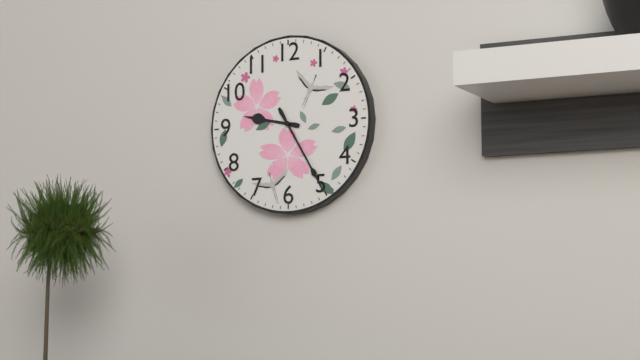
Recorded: **9:25**
